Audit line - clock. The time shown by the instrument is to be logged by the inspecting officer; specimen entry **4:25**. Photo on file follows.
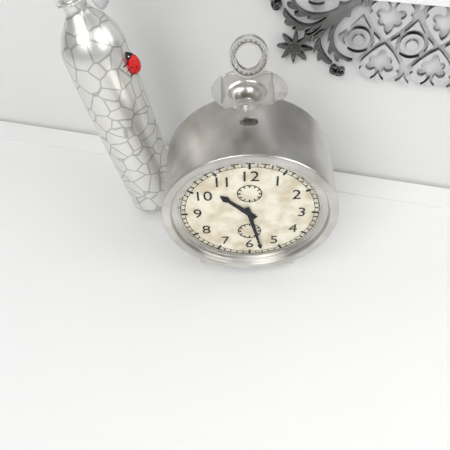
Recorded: **10:28**
